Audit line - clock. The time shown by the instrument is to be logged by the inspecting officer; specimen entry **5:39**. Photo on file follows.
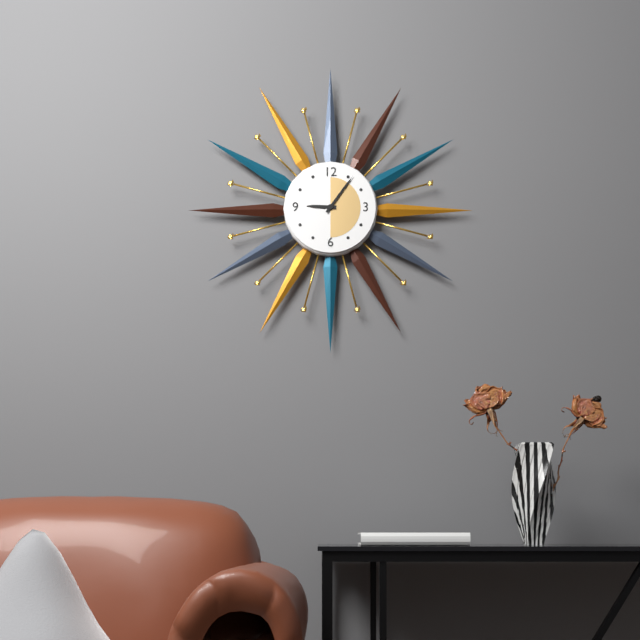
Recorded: **9:06**
